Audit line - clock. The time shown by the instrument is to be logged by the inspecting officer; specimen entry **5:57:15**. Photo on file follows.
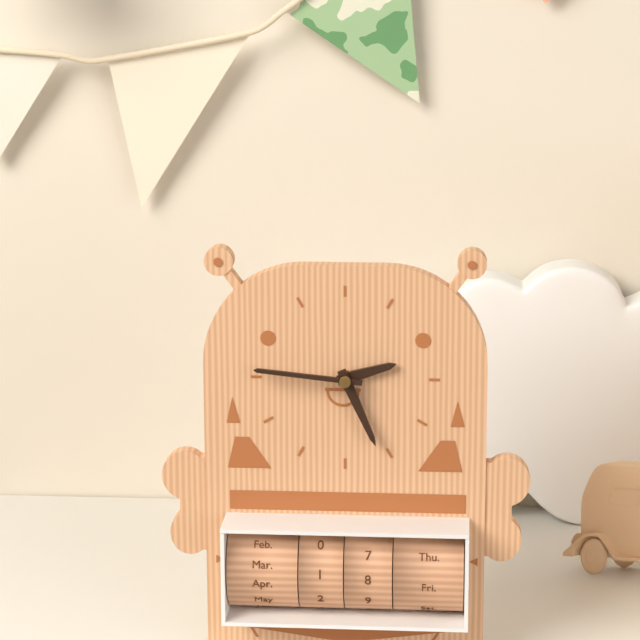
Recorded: **2:26:46**
